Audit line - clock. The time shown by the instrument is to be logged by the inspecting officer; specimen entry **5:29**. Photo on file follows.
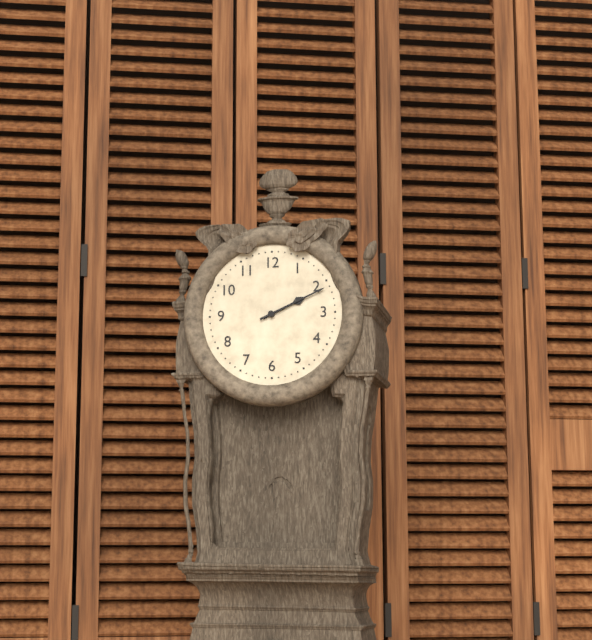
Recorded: **2:11**
